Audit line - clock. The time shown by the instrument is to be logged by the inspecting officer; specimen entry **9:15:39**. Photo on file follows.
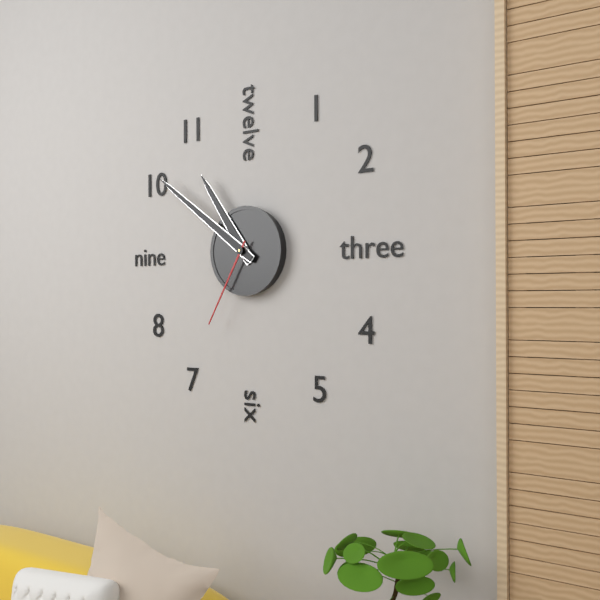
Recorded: **10:51:35**
